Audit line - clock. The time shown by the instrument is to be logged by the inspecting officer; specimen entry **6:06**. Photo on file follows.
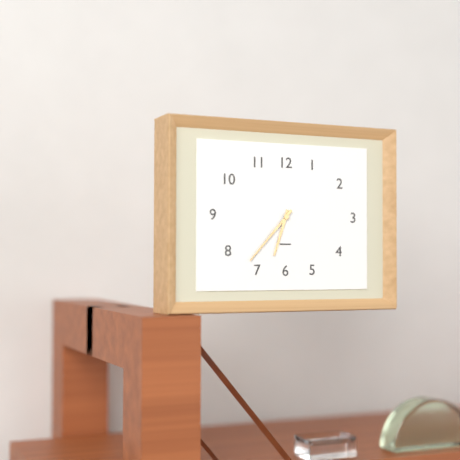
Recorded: **6:37**
